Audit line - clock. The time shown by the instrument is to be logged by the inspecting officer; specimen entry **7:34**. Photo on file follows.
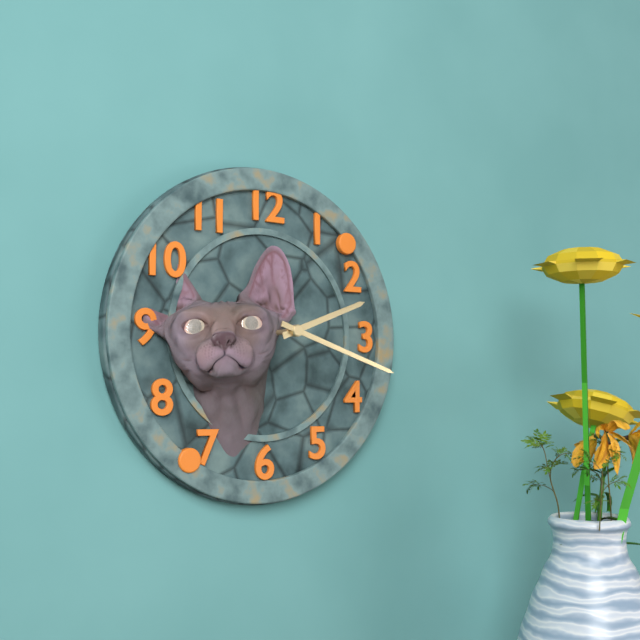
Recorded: **2:18**
